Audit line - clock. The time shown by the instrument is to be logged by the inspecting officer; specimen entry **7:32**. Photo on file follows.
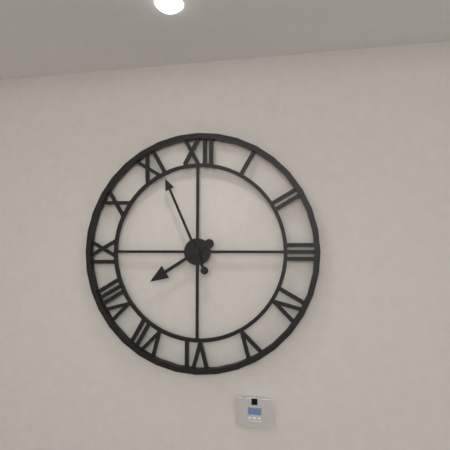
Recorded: **7:56**
